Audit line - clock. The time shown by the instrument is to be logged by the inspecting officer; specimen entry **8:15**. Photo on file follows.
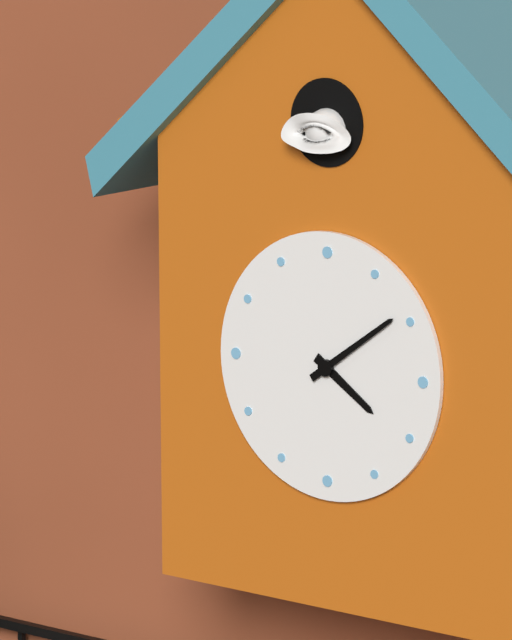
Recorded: **4:09**
